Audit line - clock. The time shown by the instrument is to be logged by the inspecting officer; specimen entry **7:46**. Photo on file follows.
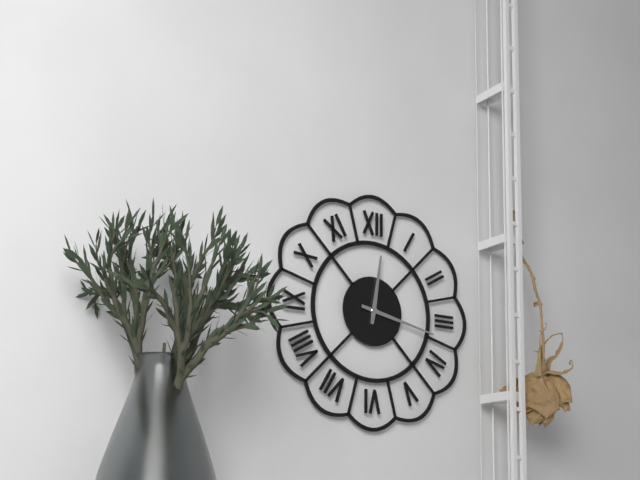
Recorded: **12:17**
